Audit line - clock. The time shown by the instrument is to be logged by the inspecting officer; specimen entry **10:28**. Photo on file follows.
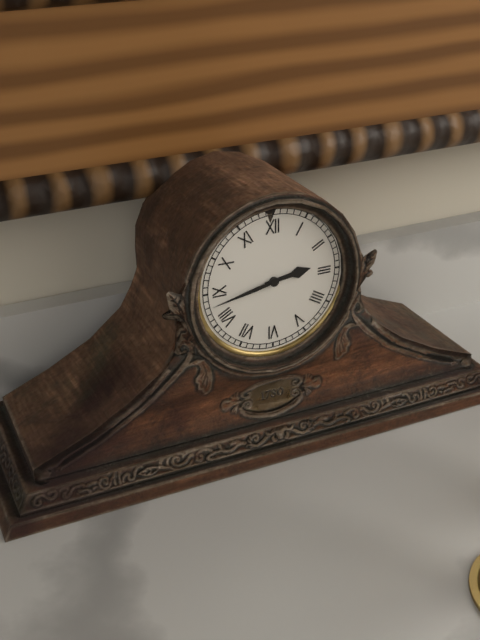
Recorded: **2:43**
